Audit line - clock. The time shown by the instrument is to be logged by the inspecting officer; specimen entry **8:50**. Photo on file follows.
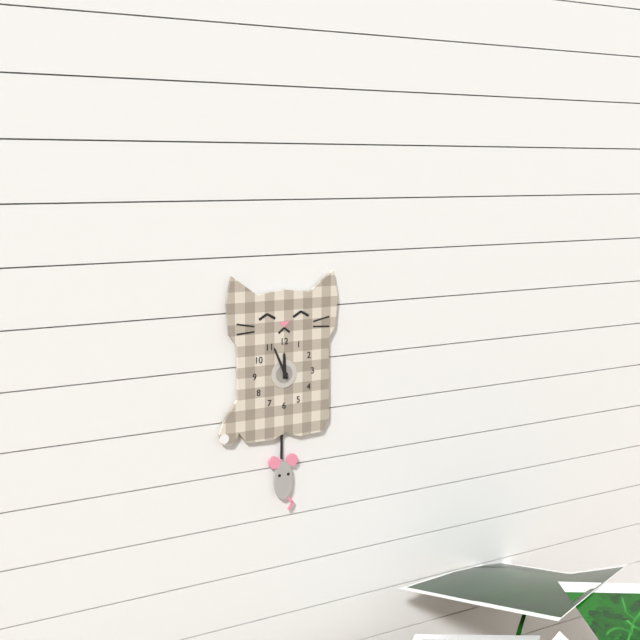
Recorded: **11:56**
